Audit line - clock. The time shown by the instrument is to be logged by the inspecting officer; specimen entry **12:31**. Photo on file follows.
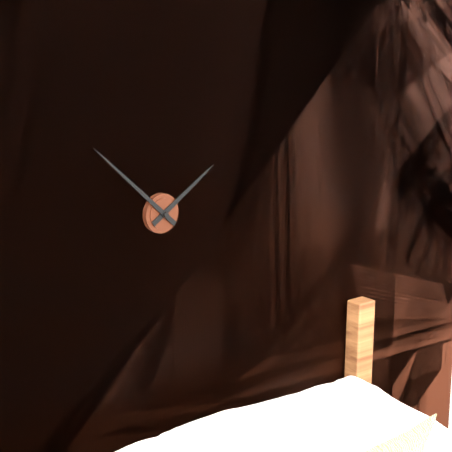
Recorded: **1:52**
